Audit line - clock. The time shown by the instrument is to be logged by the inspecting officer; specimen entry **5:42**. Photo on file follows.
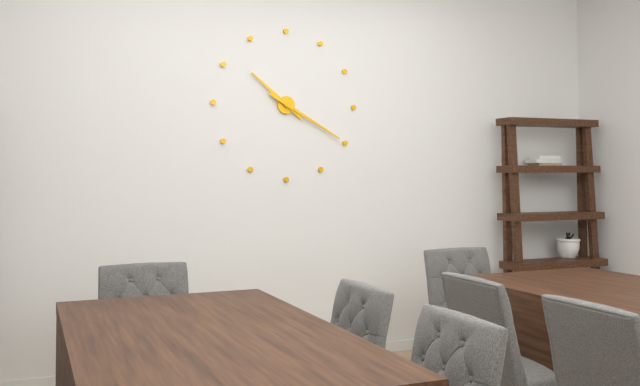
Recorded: **10:20**
